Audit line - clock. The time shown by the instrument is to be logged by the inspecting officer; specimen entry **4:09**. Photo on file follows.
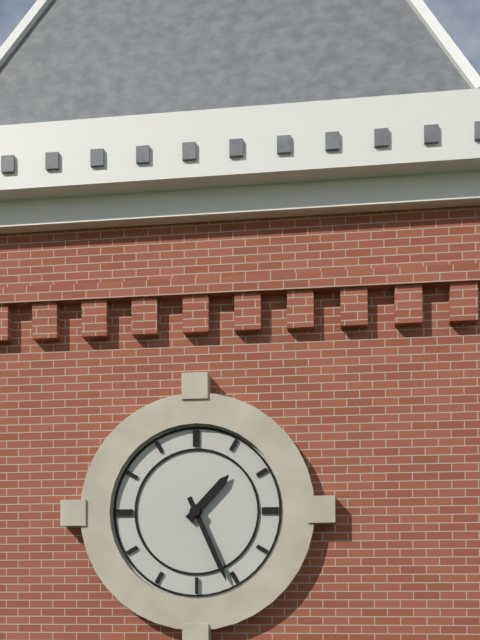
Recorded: **1:26**
